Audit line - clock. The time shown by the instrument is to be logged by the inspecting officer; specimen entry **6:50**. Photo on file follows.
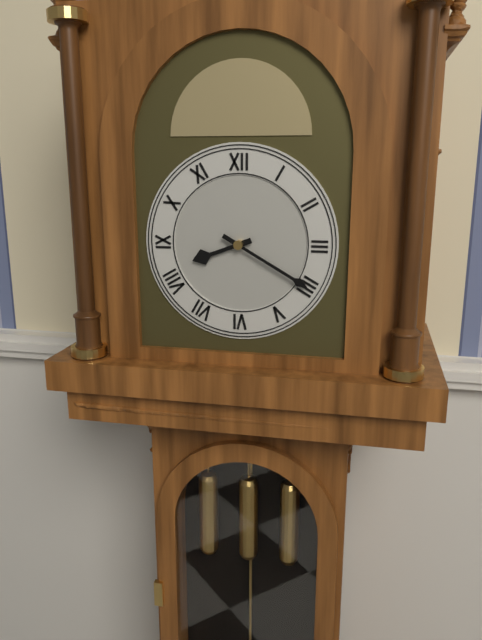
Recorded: **8:20**
